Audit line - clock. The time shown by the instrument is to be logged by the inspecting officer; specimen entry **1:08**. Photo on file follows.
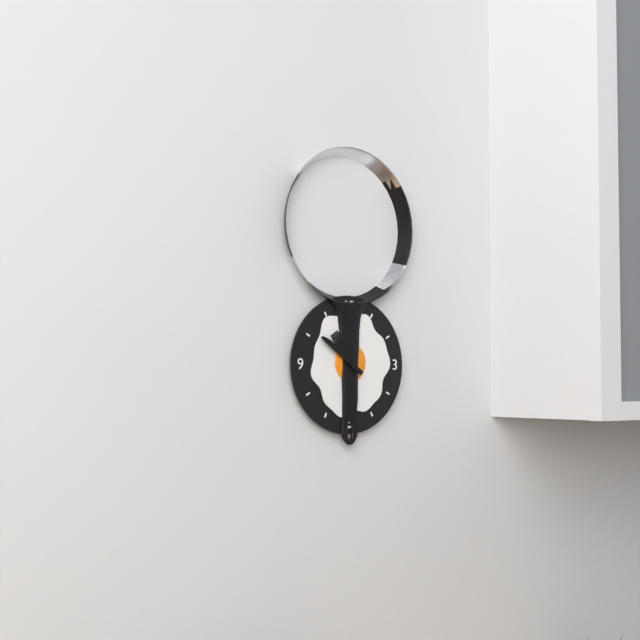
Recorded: **10:51**
